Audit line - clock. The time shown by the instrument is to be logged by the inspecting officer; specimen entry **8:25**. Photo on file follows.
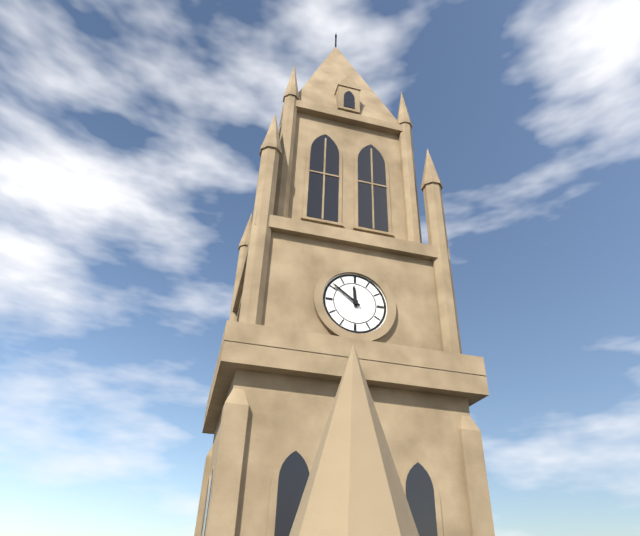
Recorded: **11:51**
